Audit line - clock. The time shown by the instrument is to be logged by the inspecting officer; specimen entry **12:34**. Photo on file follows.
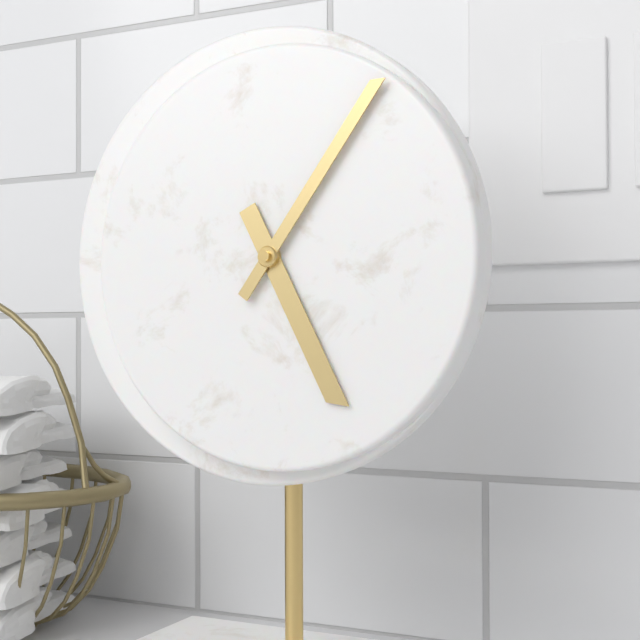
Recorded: **5:06**
